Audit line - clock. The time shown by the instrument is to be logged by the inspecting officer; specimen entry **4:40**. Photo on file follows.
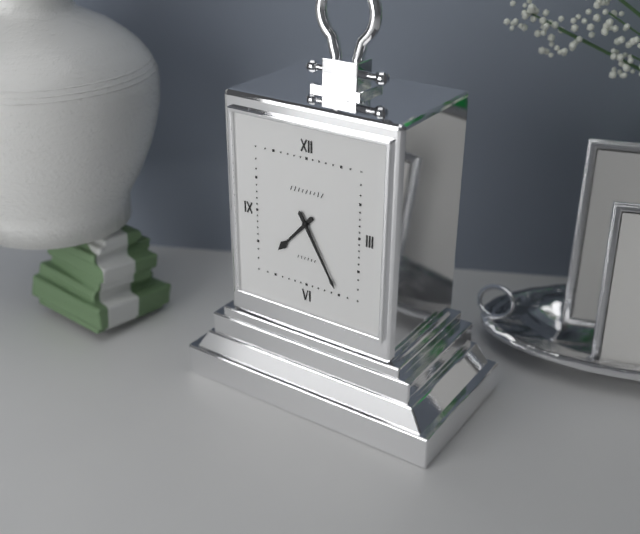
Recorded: **7:25**
